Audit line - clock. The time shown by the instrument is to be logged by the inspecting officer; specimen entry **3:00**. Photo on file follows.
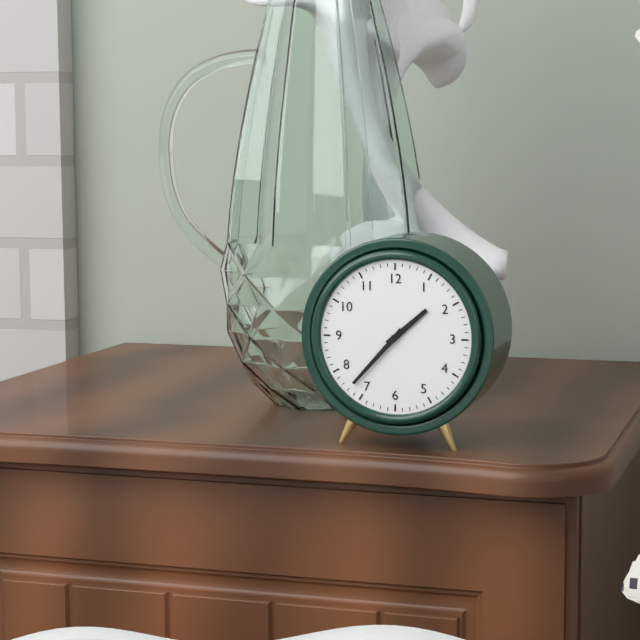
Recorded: **1:37**
